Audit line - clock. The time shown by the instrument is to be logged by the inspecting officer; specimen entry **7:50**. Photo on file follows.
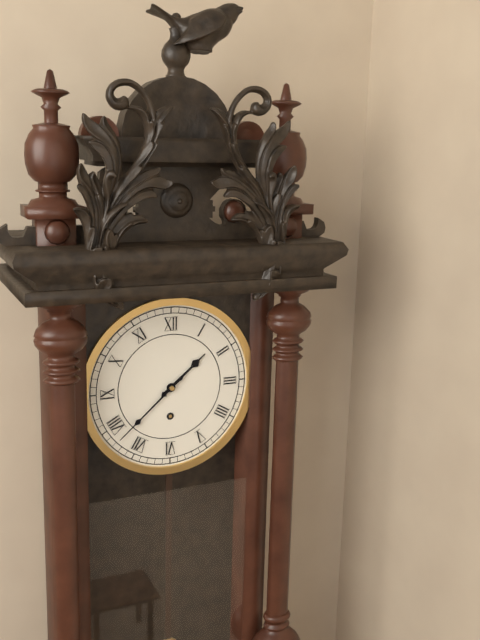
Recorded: **1:38**
